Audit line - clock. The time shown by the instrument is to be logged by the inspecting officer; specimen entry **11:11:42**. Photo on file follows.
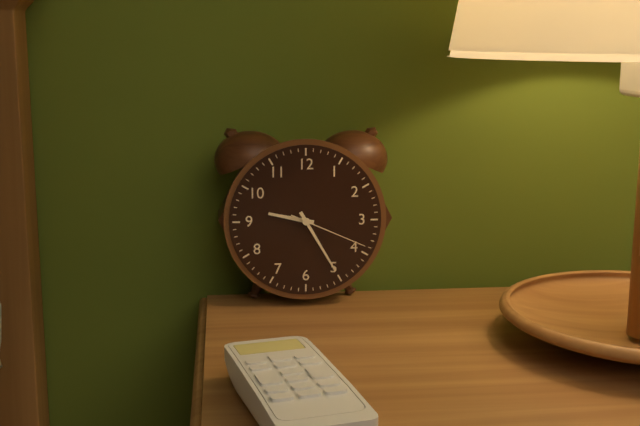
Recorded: **9:25:19**
